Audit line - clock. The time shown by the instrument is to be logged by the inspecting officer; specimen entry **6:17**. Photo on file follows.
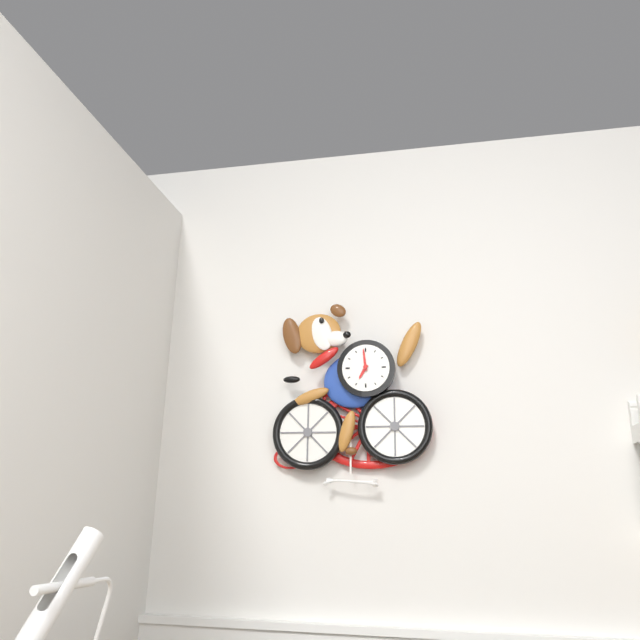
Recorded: **6:59**
